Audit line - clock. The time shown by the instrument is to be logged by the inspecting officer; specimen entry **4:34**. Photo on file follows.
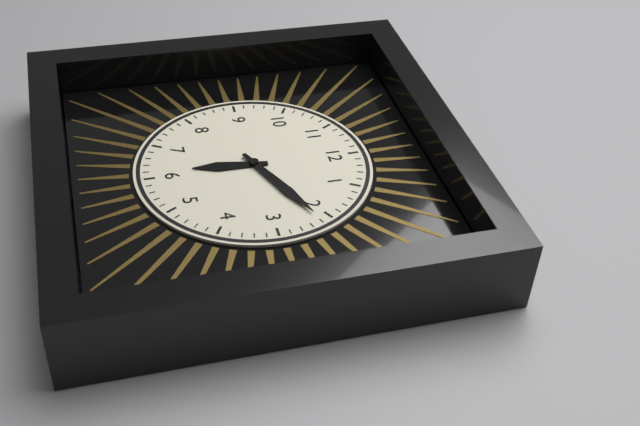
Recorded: **6:11**
